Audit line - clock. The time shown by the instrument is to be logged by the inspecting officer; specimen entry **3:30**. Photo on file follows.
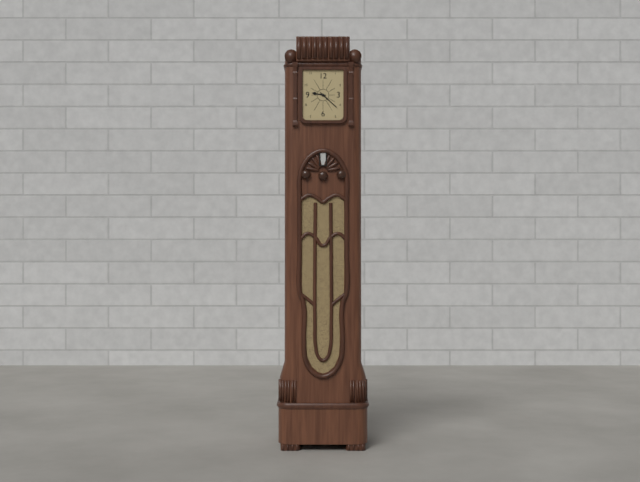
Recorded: **9:22**
